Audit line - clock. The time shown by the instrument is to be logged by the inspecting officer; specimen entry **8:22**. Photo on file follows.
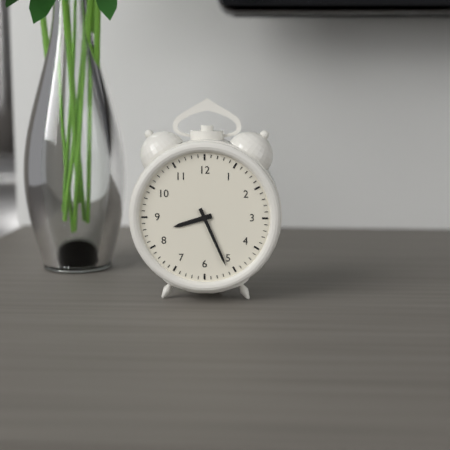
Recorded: **8:26**
